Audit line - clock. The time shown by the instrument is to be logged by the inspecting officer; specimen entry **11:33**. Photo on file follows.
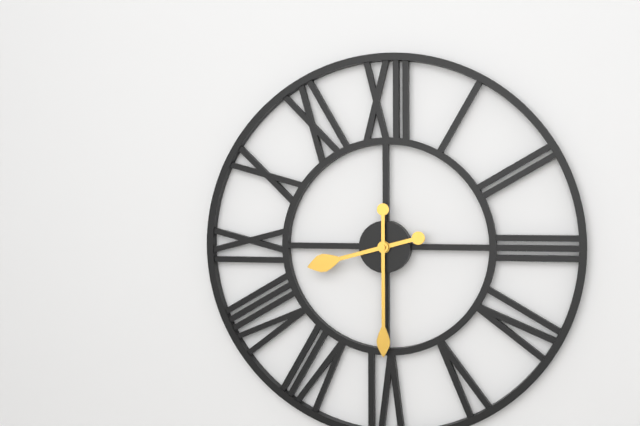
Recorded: **8:30**
